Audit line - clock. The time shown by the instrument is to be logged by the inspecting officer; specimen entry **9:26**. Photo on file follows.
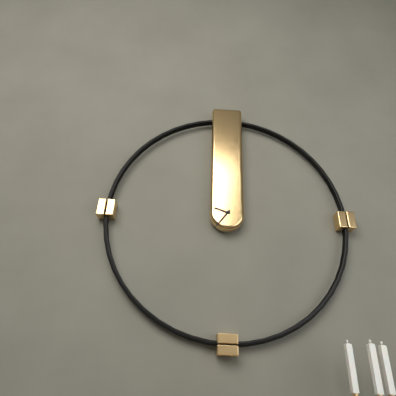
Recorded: **9:36**
